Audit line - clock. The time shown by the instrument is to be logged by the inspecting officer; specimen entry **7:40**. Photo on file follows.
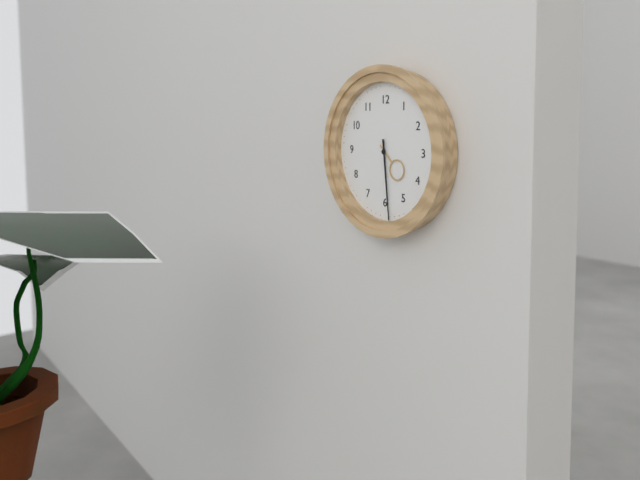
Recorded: **4:29**
